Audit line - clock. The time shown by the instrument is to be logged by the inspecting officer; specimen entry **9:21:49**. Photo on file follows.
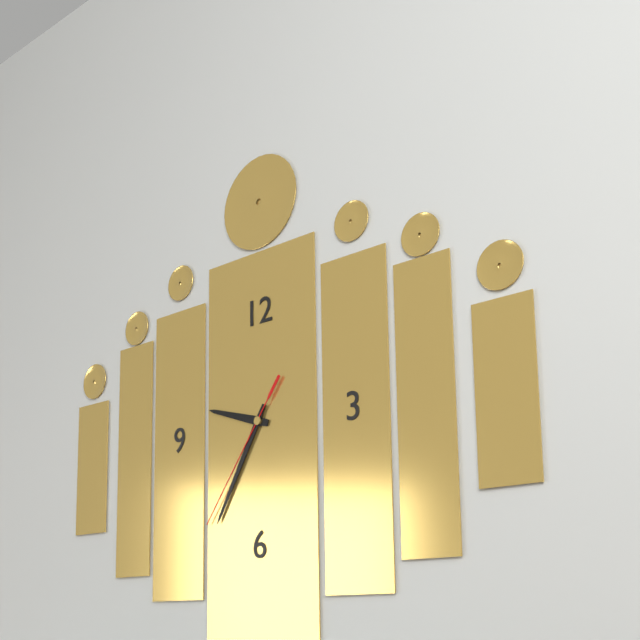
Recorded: **9:35:36**
